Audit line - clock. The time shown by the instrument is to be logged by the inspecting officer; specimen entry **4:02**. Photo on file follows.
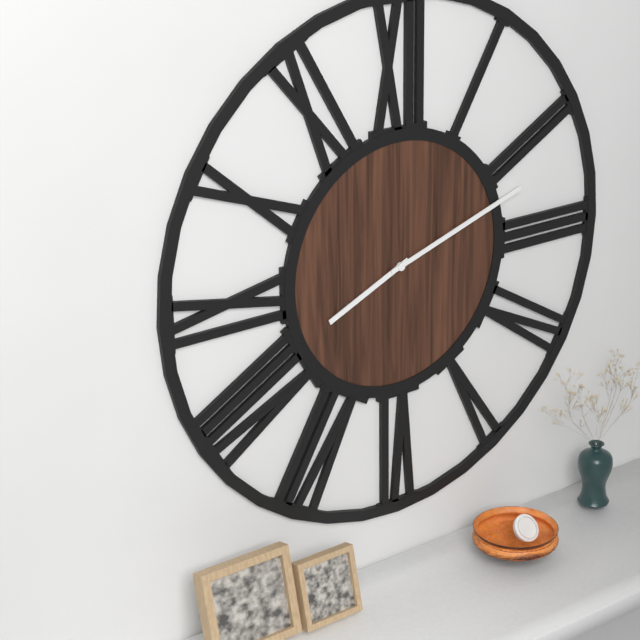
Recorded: **8:12**
